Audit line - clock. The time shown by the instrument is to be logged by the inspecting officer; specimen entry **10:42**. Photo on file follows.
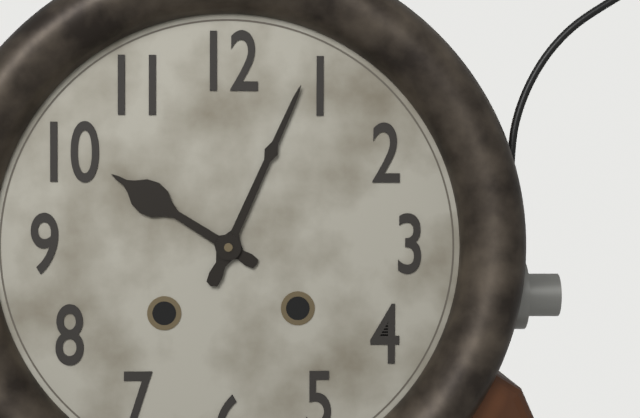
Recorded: **10:04**
